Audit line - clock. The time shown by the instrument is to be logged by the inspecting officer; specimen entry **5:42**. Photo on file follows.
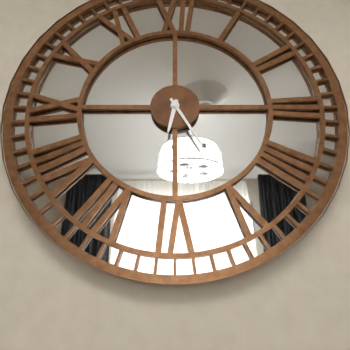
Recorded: **6:25**
